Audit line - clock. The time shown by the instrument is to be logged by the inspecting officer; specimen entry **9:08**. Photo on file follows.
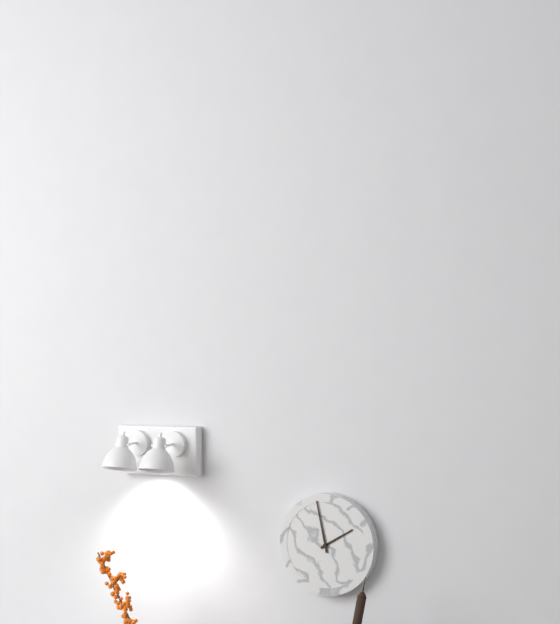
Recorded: **1:58**
